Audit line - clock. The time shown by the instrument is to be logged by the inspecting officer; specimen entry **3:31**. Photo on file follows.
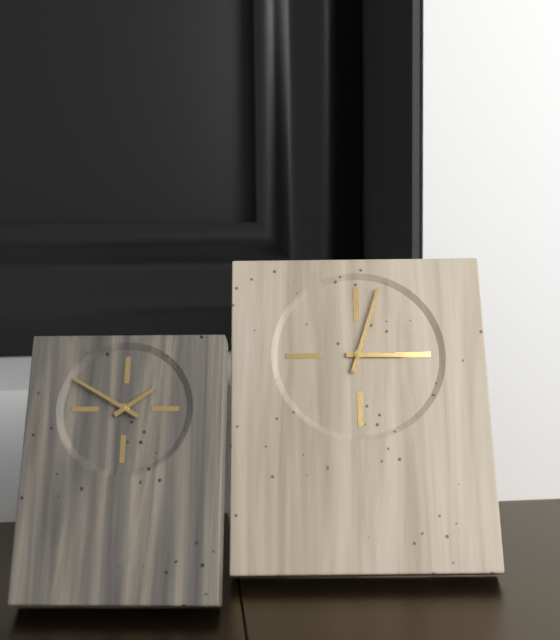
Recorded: **3:03**
